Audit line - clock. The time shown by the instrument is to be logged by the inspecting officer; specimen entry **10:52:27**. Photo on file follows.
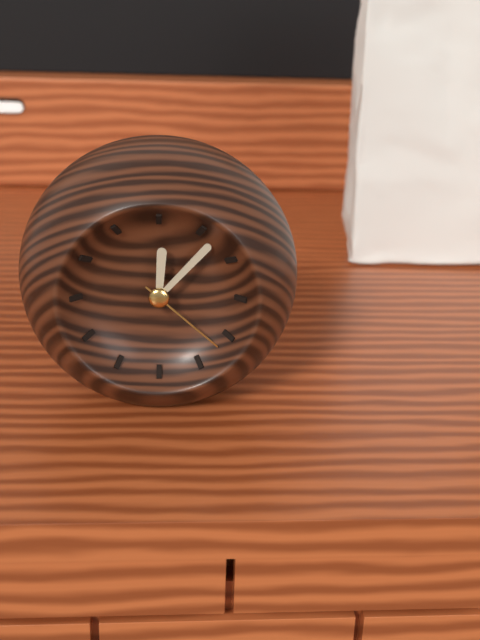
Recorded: **12:07:22**
